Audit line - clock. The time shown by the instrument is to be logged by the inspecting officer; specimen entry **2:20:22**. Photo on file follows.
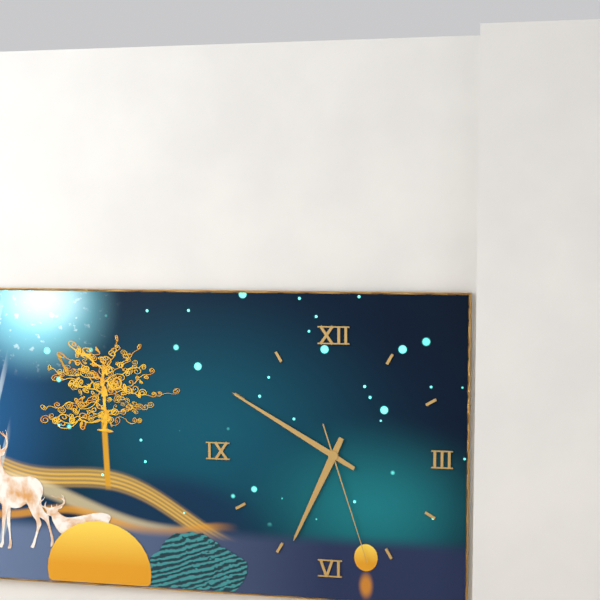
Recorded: **6:50:27**
